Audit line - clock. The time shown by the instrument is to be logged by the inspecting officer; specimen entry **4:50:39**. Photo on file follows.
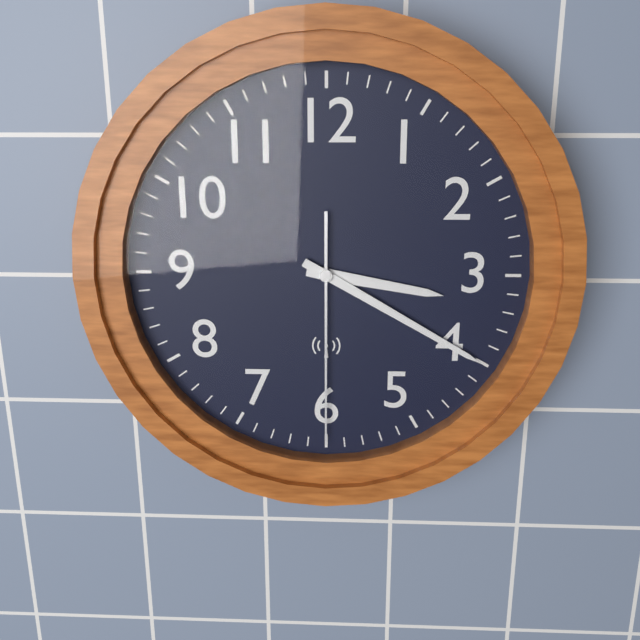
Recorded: **3:20:30**
